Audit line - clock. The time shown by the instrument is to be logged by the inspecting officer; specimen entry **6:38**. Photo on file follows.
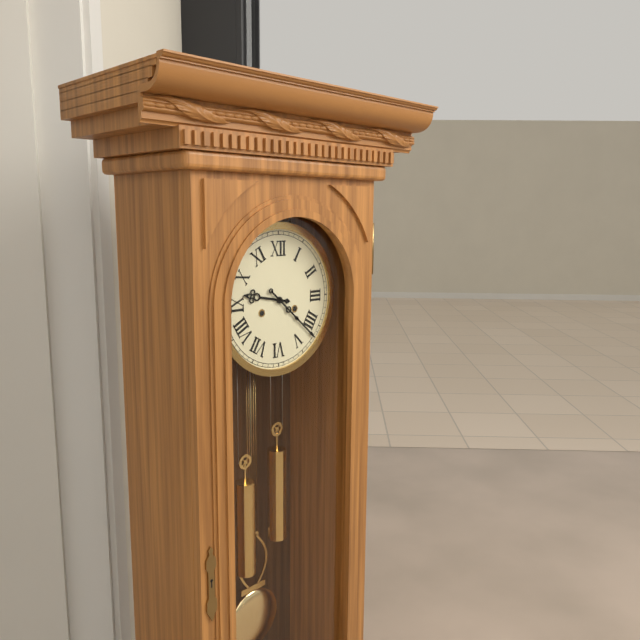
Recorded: **9:22**
